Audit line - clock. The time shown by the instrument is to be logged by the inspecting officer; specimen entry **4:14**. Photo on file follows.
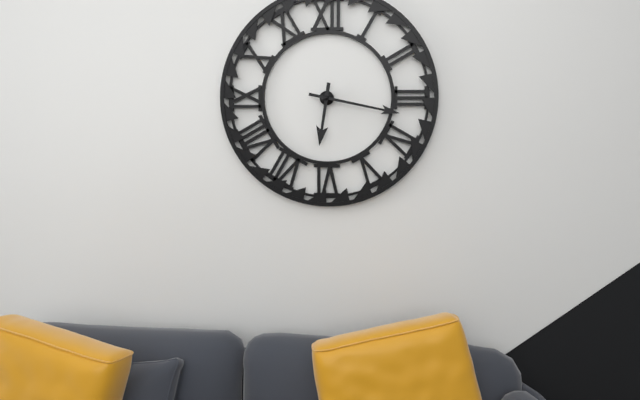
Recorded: **6:17**
